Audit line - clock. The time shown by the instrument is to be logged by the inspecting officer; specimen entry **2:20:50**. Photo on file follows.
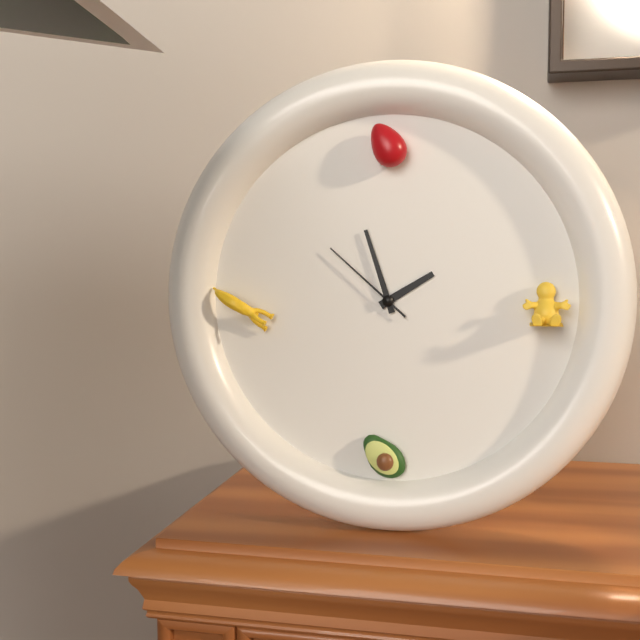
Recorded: **1:57:52**
